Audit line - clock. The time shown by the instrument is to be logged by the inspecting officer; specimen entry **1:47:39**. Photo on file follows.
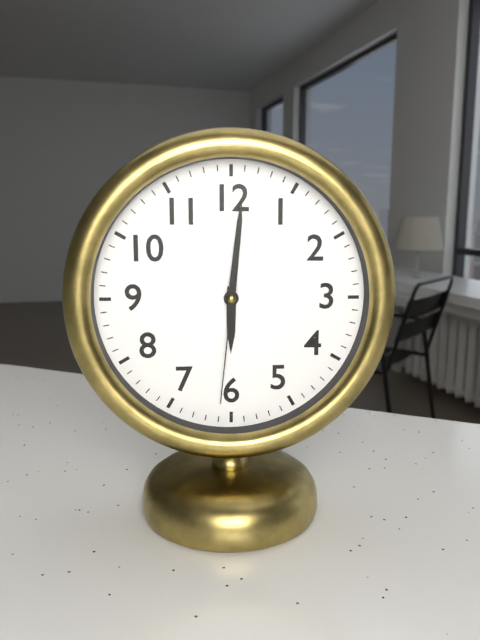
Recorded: **6:01:31**
